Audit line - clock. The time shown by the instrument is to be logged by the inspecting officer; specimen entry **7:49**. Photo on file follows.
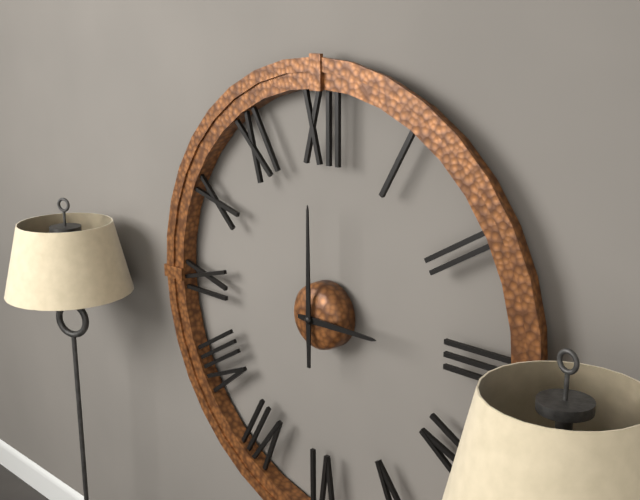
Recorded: **3:00**
